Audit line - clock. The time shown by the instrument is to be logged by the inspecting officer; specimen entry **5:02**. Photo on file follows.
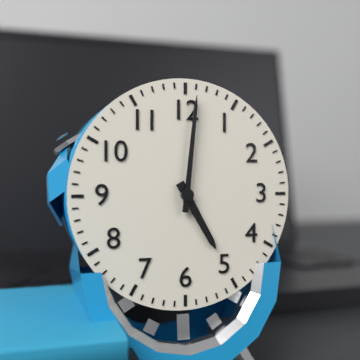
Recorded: **5:01**
